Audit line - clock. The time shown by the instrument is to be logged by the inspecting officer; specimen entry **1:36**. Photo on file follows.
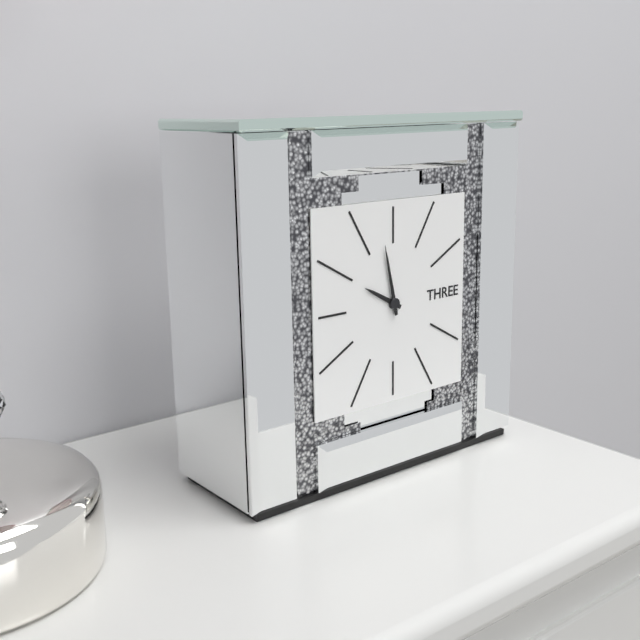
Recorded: **9:58**
